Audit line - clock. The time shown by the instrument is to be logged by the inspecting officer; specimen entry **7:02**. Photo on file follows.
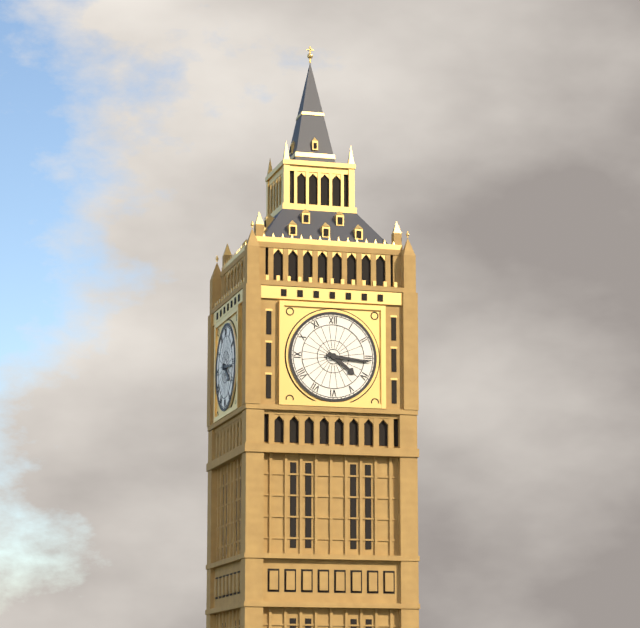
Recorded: **4:16**
